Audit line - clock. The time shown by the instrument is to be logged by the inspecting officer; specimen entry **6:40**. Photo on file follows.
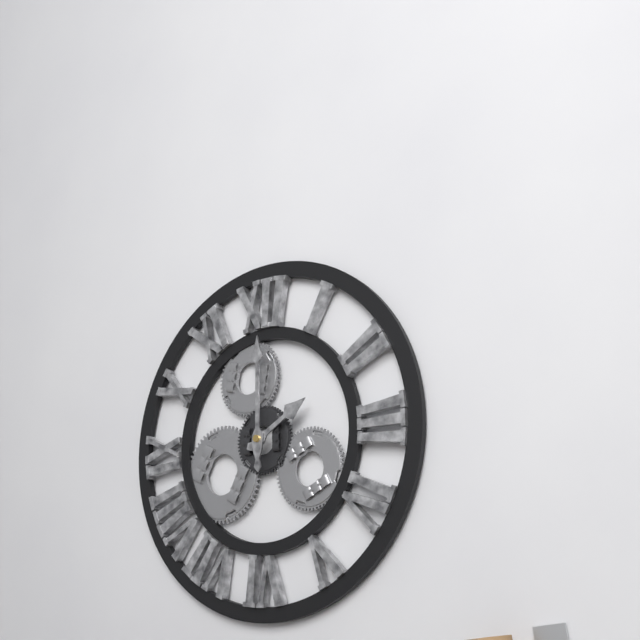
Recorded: **2:00**
